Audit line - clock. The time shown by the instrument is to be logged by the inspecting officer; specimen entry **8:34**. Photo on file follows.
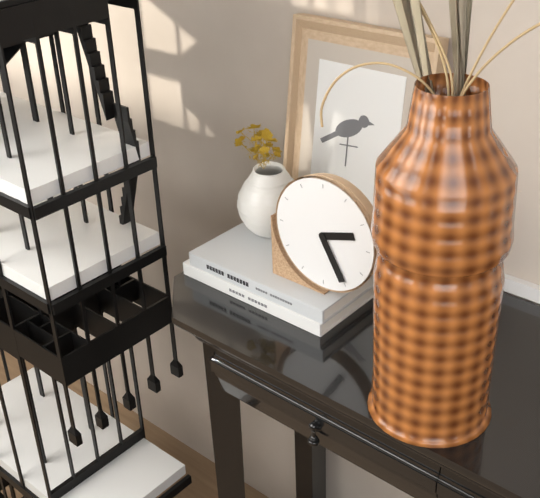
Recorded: **2:25**
